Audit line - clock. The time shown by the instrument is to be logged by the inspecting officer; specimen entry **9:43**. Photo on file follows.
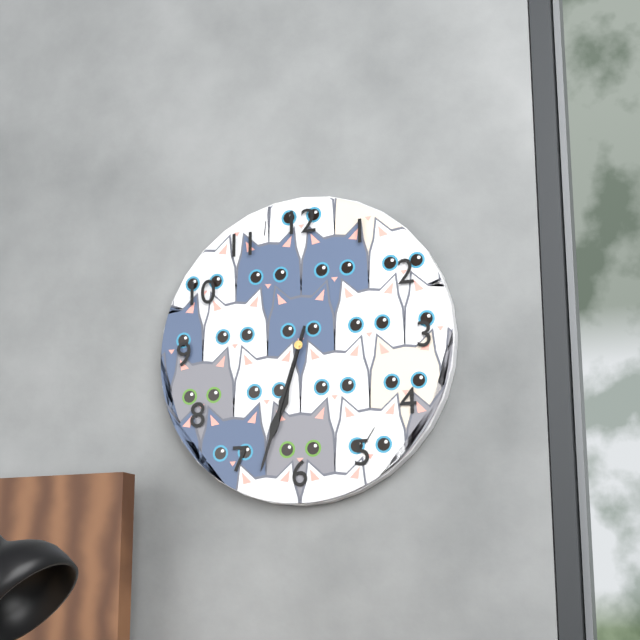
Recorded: **6:33**
